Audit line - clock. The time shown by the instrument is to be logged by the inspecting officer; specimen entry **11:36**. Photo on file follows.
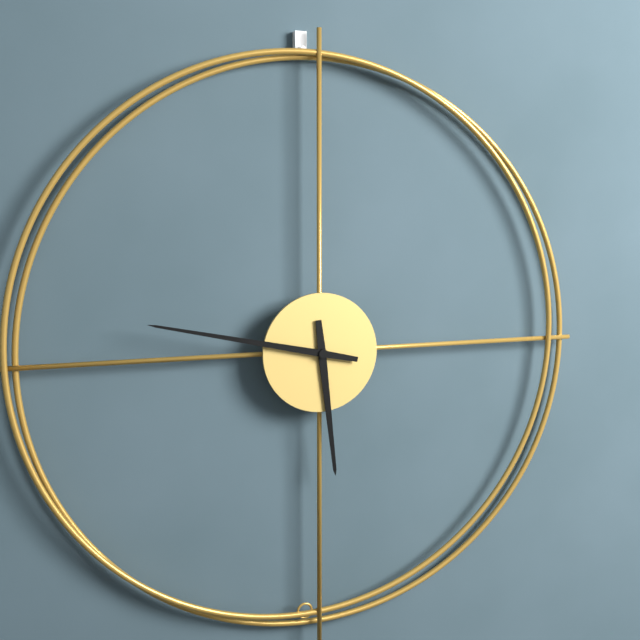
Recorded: **5:47**
